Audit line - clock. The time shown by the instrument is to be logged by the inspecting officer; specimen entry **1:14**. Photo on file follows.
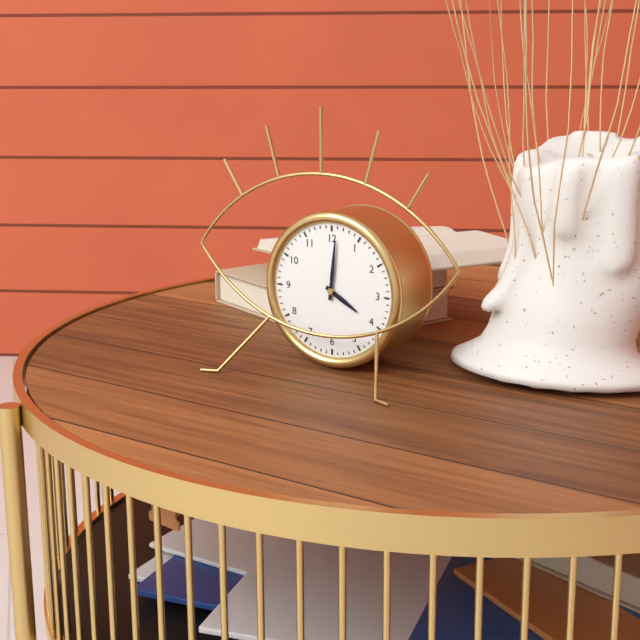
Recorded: **4:01**
